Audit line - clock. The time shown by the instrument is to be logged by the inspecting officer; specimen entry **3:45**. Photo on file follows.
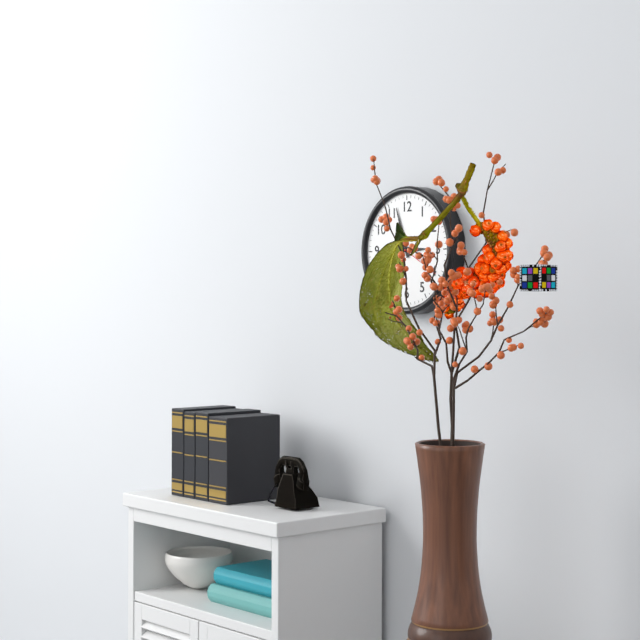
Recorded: **2:57**
